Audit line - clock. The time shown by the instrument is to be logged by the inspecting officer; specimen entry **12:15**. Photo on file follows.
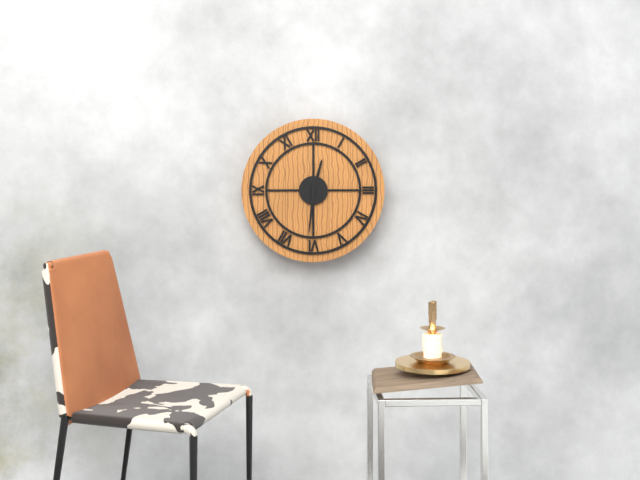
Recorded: **12:31**
